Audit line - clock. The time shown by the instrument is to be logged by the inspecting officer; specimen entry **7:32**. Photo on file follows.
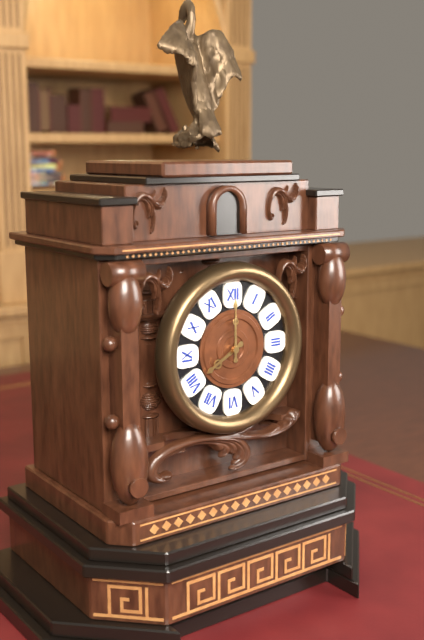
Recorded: **8:00**
